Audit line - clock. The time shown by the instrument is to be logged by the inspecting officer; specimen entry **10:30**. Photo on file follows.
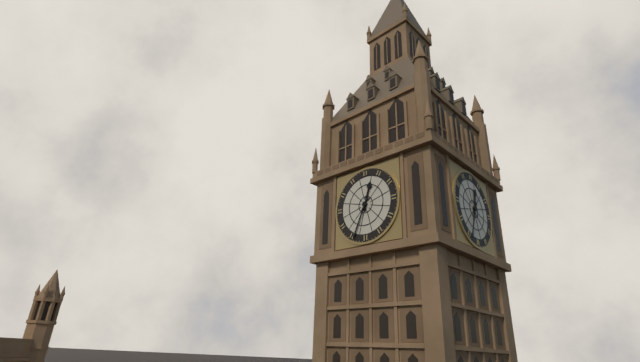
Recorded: **12:34**
